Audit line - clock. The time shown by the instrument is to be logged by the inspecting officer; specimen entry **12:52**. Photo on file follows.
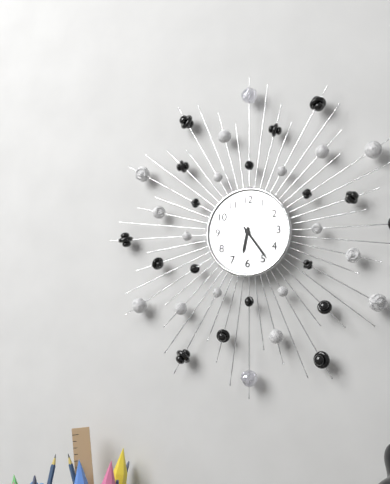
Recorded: **6:24**
